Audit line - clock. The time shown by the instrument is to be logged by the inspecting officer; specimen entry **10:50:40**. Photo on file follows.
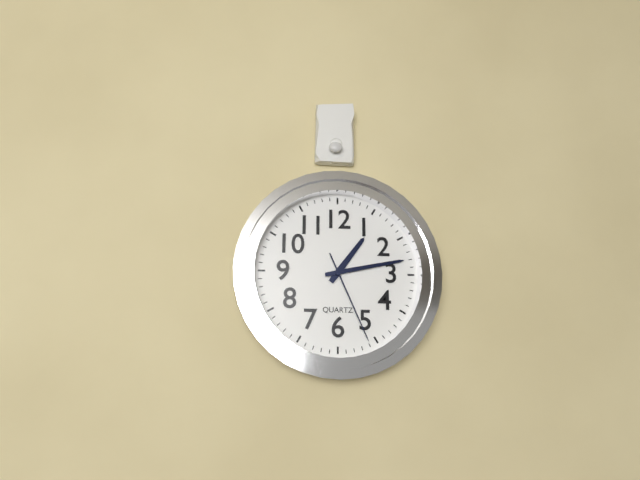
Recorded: **1:13:26**
